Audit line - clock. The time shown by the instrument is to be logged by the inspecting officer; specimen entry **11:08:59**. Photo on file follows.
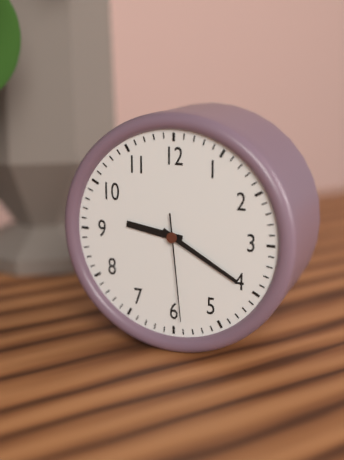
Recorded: **9:20:29**
